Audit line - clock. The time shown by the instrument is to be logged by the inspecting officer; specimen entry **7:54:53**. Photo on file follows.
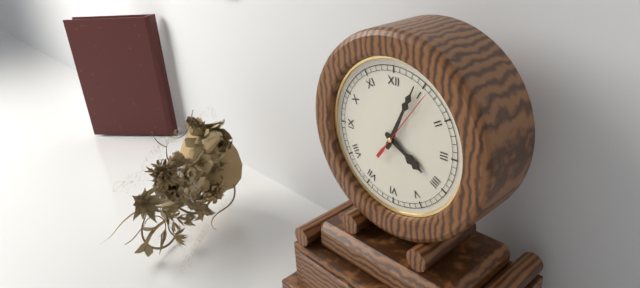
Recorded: **4:04:06**
